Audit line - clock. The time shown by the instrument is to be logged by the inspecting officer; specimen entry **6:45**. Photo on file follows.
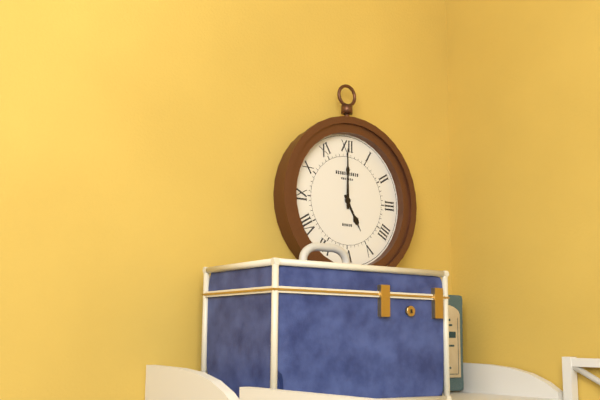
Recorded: **5:00**
